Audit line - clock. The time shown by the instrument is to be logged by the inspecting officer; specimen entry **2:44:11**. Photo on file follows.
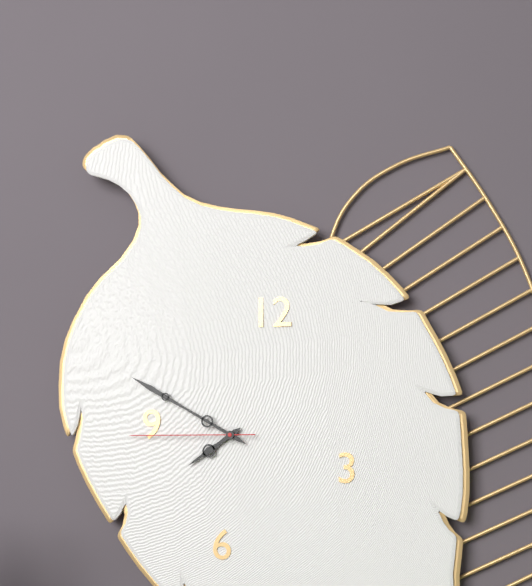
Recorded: **7:50:45**
